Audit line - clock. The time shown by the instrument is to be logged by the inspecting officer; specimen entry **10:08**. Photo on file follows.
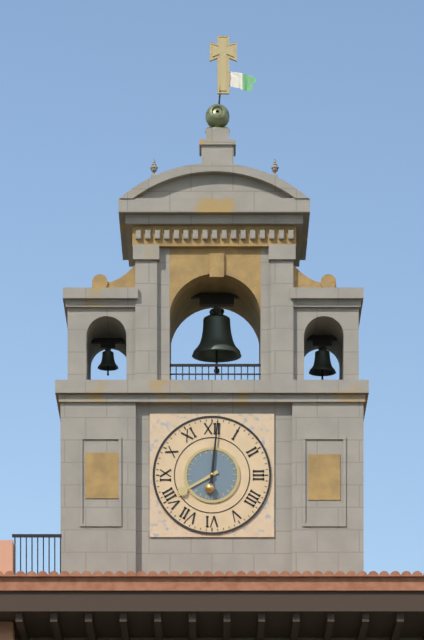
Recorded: **8:01**
